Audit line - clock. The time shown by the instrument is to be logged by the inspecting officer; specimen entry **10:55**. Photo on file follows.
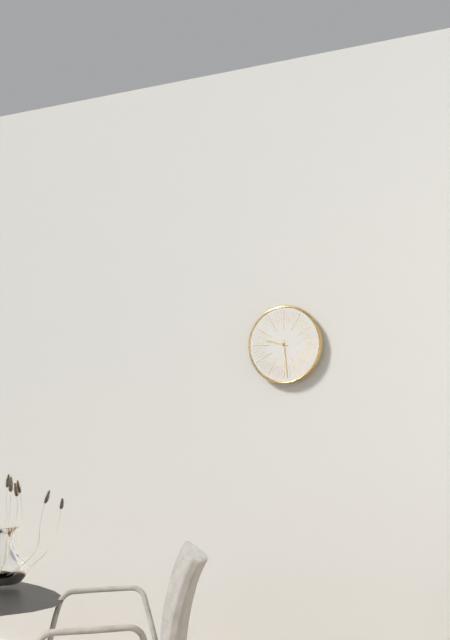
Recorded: **9:29**
